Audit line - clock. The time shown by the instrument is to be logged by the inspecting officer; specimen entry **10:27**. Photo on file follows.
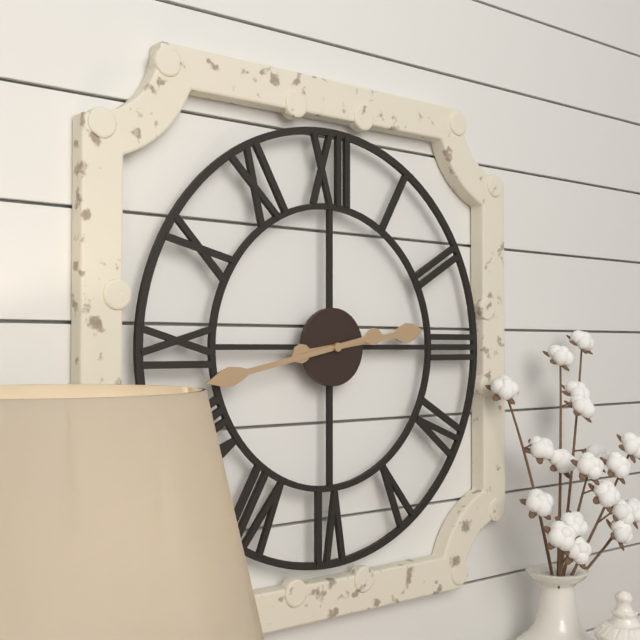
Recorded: **2:43**
